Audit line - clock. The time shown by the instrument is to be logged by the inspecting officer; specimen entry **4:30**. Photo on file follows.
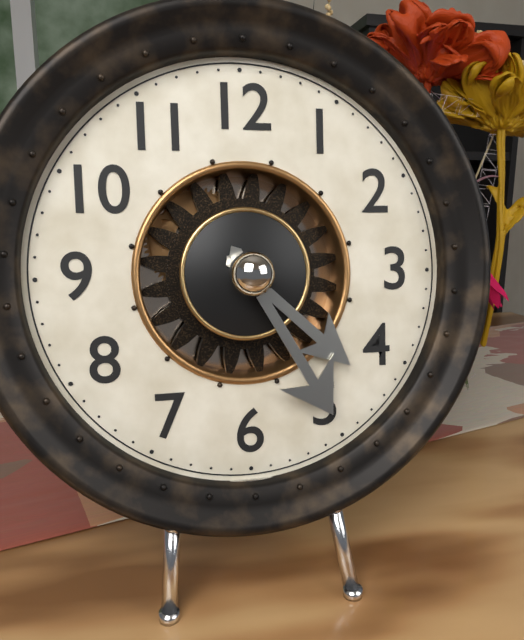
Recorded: **4:25**
